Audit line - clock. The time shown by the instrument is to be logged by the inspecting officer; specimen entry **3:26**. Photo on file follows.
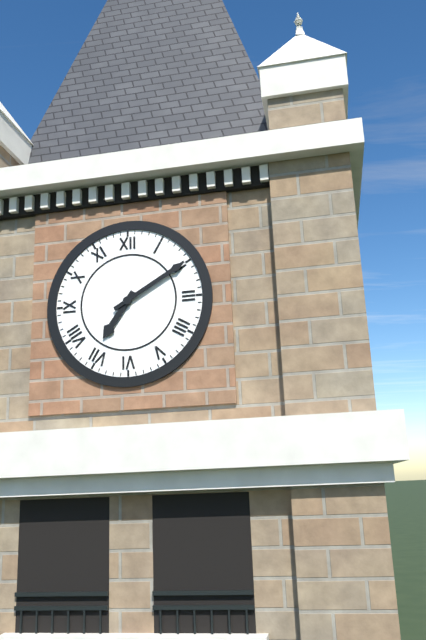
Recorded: **7:10**
